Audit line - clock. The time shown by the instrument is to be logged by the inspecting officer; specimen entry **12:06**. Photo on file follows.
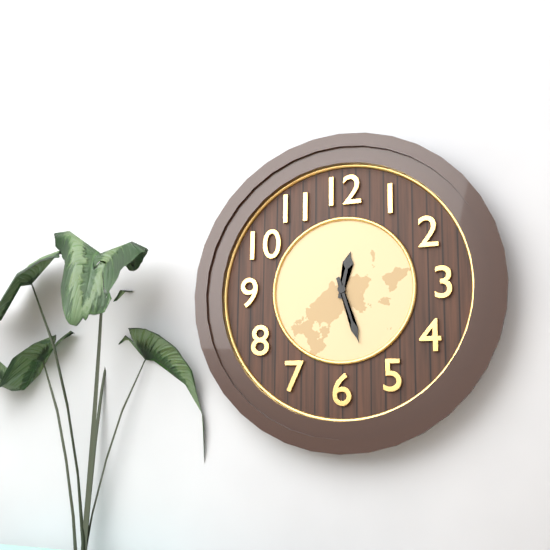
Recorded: **12:27**
